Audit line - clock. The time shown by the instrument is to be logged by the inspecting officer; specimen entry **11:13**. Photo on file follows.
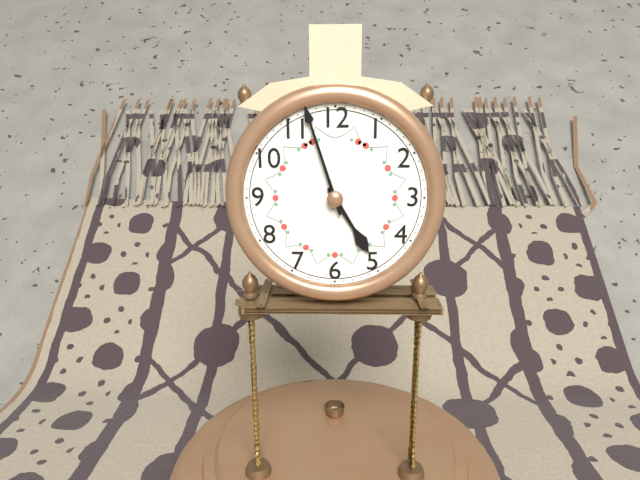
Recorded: **4:57**
